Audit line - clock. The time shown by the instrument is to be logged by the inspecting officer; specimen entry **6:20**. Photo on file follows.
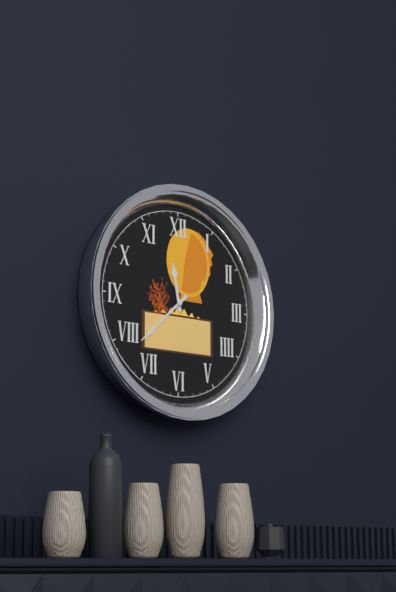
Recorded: **11:38**
